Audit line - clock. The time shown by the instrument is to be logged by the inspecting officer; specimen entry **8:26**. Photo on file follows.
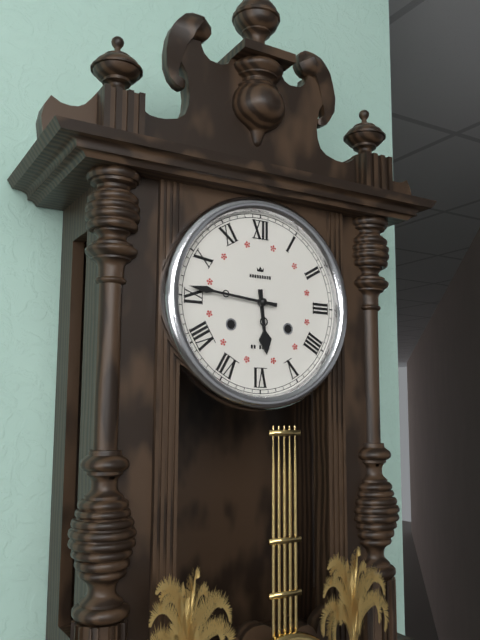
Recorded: **5:46**
